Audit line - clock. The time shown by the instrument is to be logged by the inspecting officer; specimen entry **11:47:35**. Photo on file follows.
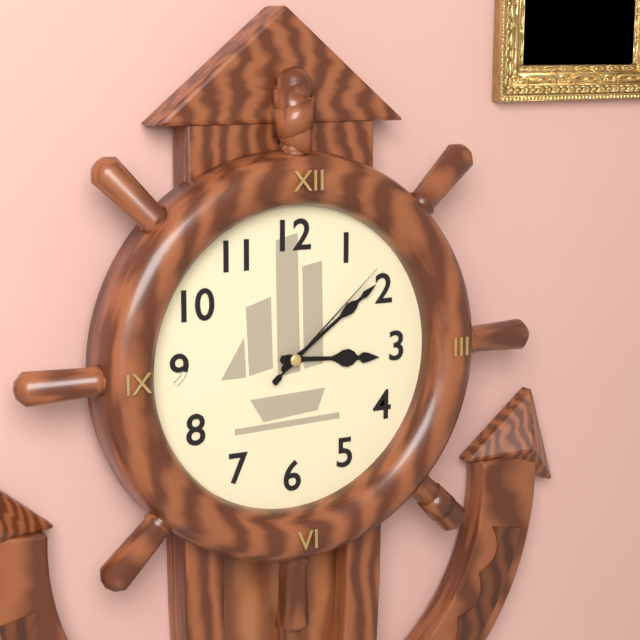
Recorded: **3:09:08**
